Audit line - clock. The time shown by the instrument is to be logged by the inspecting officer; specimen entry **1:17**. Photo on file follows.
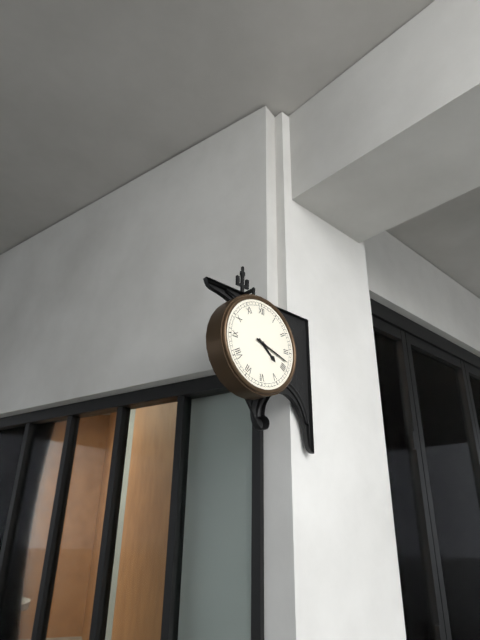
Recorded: **4:18**
